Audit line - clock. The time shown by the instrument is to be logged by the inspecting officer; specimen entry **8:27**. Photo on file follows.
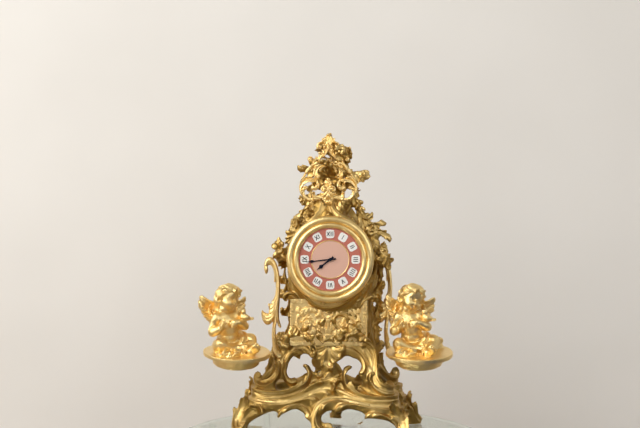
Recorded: **7:44**
